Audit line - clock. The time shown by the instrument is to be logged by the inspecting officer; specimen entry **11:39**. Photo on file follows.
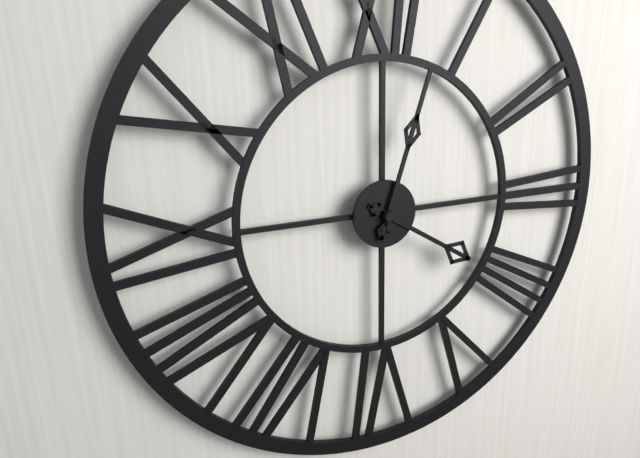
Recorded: **4:03**
